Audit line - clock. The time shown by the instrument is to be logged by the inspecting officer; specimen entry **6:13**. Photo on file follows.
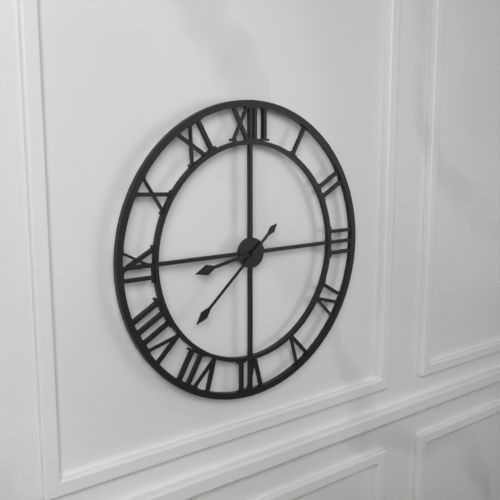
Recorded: **8:38**
